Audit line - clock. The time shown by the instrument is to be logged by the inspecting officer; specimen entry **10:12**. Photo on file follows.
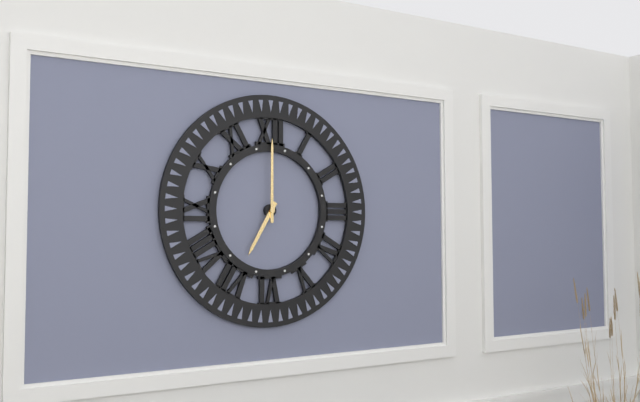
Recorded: **7:00**
